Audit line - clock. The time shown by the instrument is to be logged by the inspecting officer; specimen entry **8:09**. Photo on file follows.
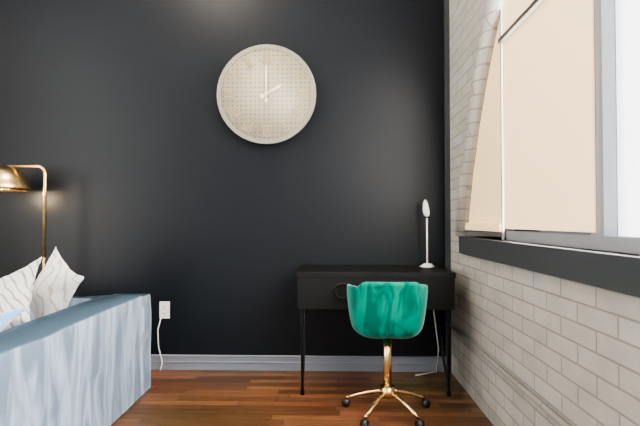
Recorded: **2:00**
